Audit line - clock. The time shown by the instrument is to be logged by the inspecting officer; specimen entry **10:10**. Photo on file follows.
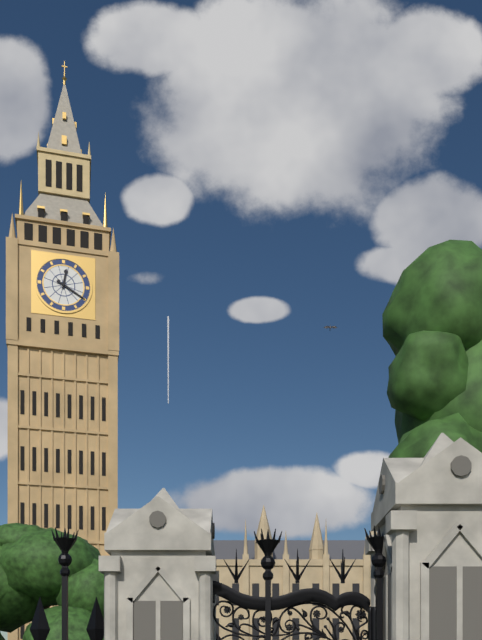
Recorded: **12:20**
